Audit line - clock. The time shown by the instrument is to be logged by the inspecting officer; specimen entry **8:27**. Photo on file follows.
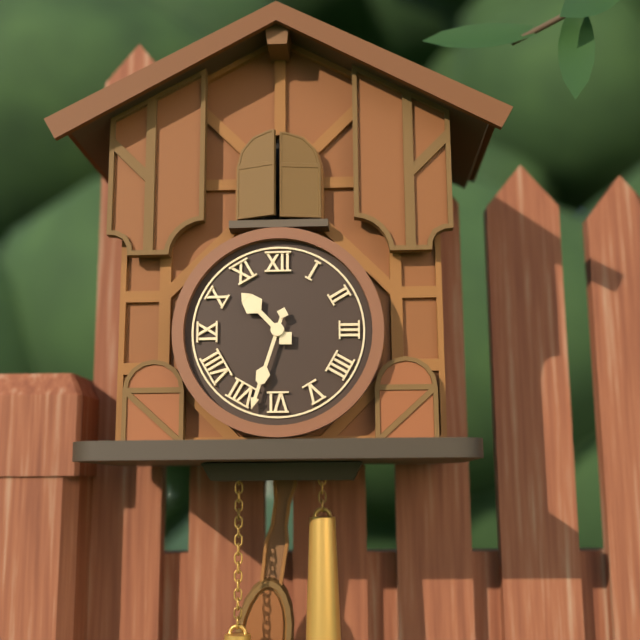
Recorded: **10:33**
